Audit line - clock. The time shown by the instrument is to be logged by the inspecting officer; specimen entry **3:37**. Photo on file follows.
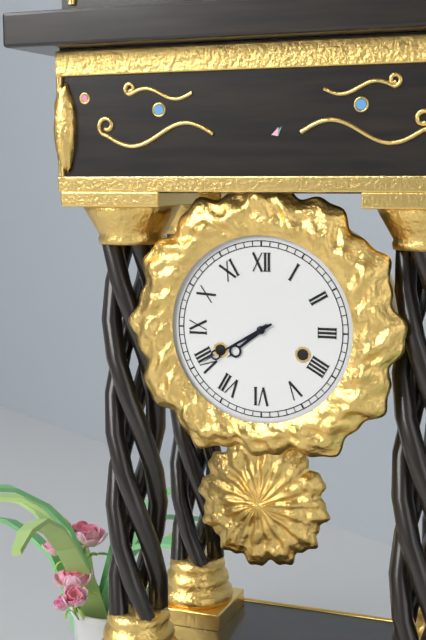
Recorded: **7:40**
